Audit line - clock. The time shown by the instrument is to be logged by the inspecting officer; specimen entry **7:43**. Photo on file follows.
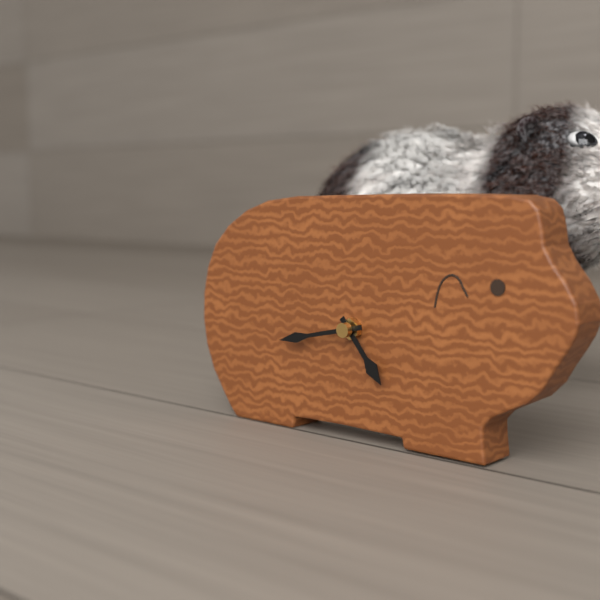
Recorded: **4:43**
